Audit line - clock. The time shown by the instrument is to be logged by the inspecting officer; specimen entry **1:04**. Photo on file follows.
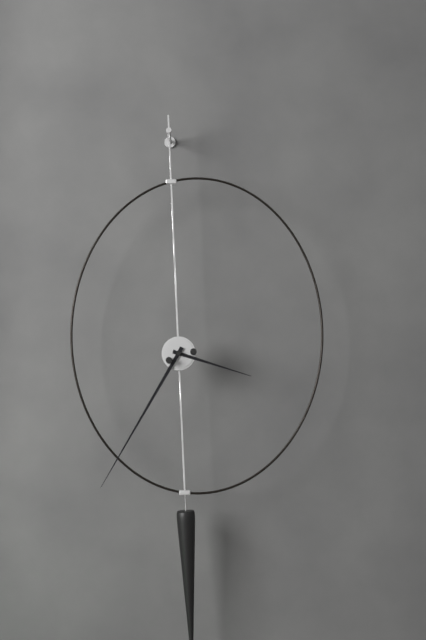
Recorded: **3:35**
